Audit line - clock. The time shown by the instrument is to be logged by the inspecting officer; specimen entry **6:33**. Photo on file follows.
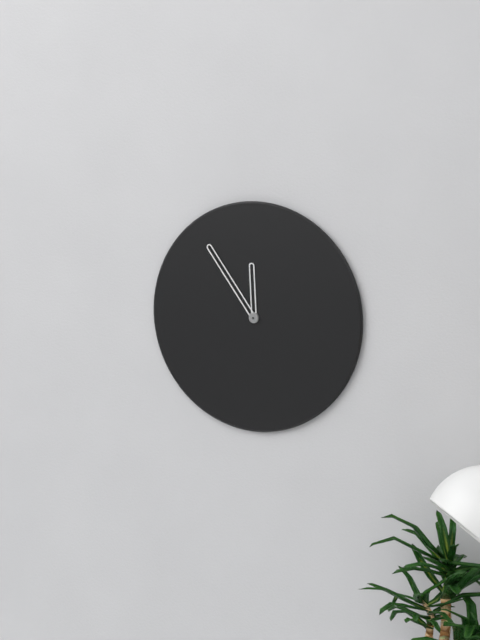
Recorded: **11:54**
